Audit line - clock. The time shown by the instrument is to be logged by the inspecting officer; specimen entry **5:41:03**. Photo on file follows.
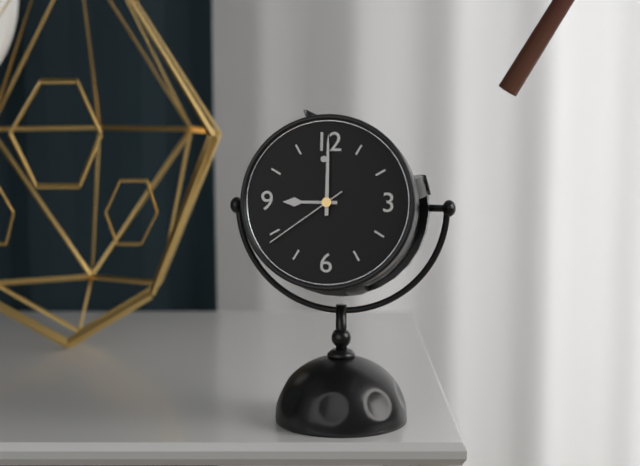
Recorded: **9:00:39**
